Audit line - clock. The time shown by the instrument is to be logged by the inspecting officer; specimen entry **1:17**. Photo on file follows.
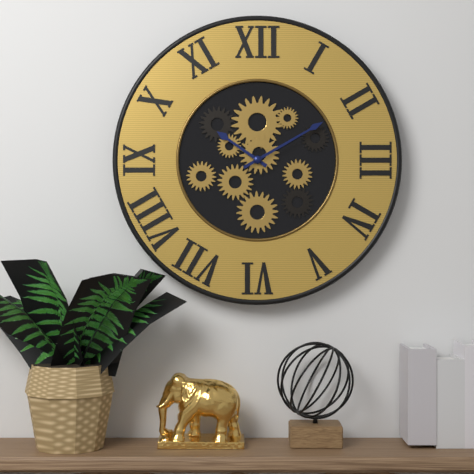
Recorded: **10:10**
